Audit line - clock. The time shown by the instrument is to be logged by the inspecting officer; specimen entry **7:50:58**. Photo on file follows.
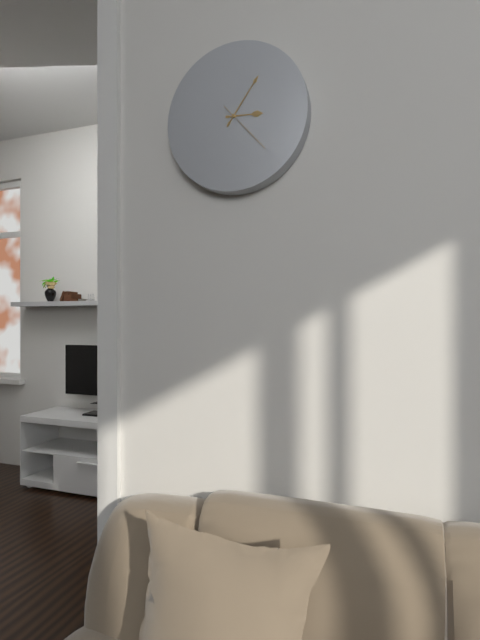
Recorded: **3:06:23**
